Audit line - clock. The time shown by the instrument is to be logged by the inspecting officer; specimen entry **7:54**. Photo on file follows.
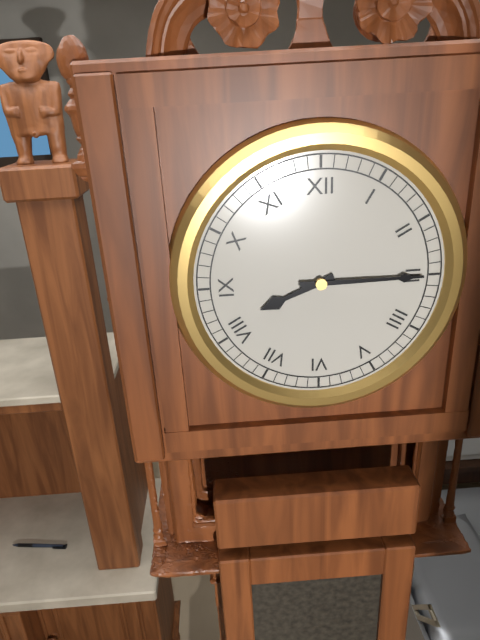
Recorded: **8:15**
